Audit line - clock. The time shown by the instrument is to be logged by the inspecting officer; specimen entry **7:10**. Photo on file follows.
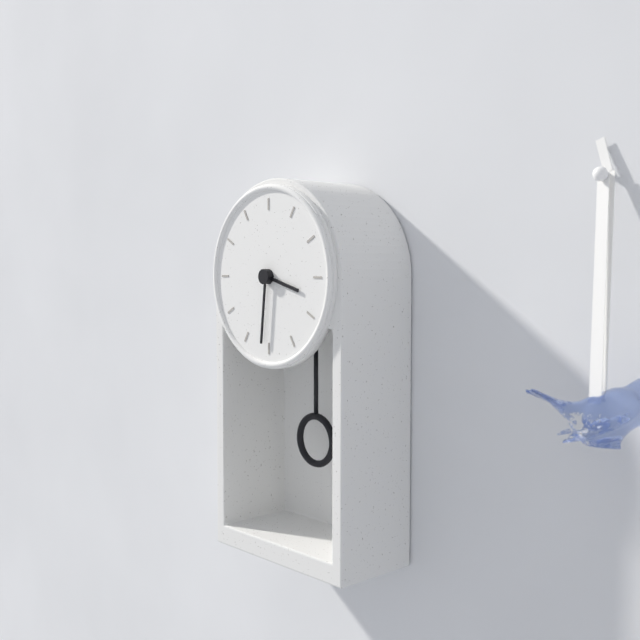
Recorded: **3:31**
